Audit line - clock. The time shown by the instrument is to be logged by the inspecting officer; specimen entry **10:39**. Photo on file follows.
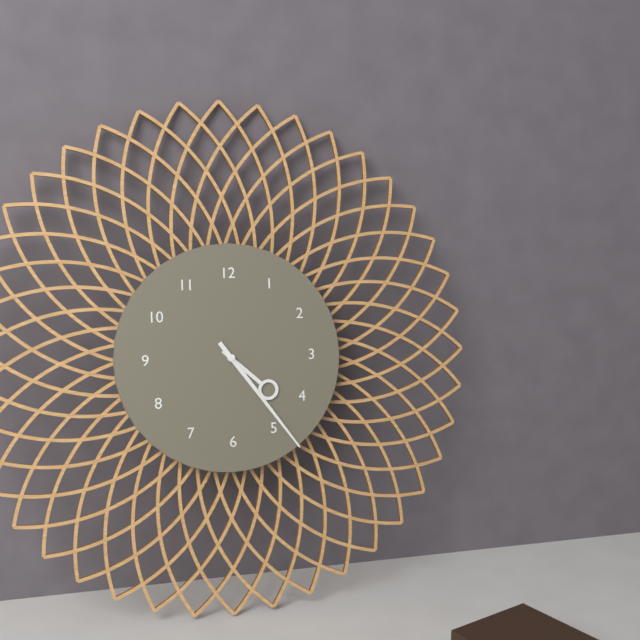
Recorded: **4:24**
